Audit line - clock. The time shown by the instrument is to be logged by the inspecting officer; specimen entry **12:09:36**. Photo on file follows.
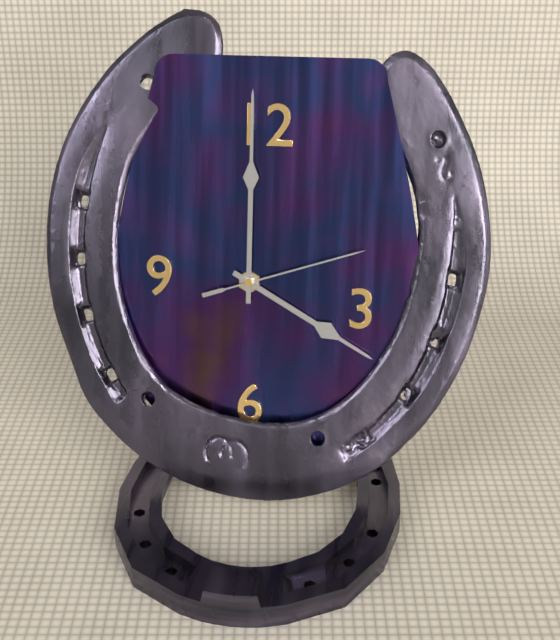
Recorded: **4:00:12**
